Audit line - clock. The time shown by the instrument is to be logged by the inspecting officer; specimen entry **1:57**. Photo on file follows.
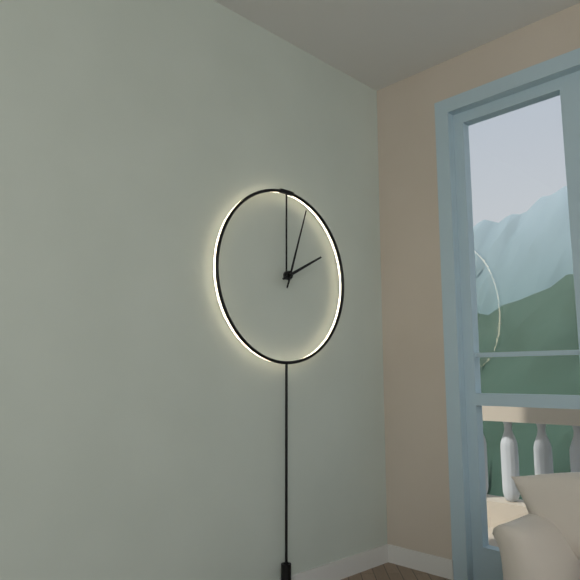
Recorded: **2:03**
